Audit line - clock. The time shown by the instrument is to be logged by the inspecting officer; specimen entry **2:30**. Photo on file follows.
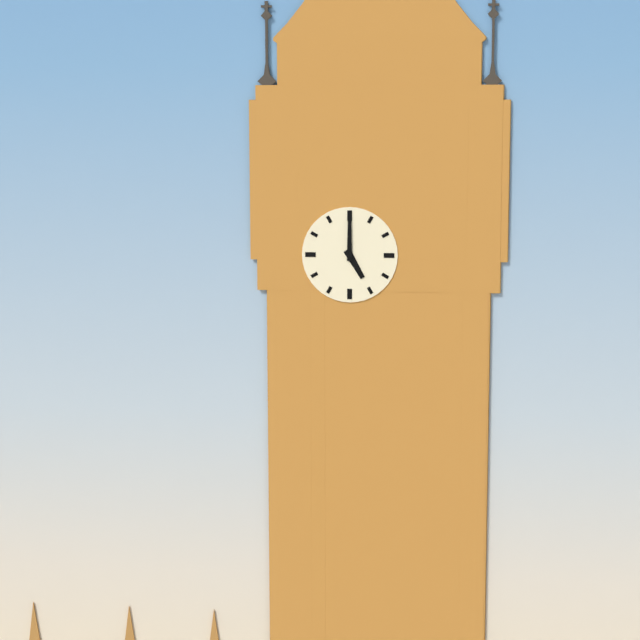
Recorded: **5:00**
